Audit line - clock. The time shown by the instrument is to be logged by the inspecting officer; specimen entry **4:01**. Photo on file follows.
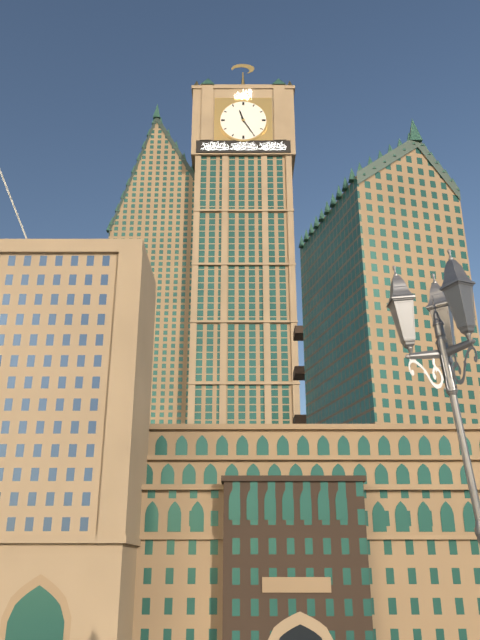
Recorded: **11:25**
